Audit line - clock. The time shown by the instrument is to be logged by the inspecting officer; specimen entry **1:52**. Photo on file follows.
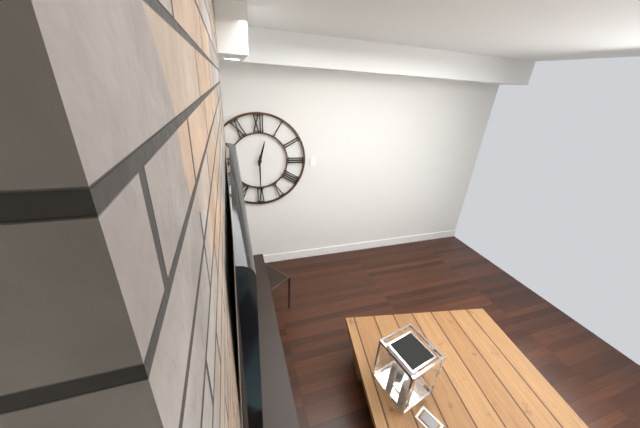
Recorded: **12:30**
